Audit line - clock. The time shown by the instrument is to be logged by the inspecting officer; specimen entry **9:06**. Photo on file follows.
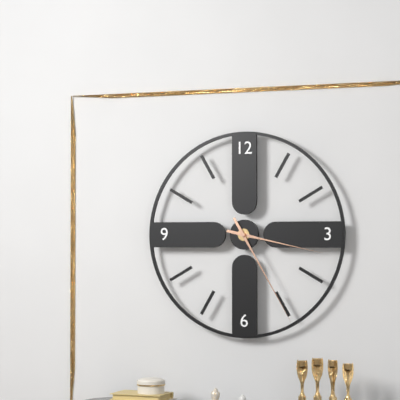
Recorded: **3:25**
